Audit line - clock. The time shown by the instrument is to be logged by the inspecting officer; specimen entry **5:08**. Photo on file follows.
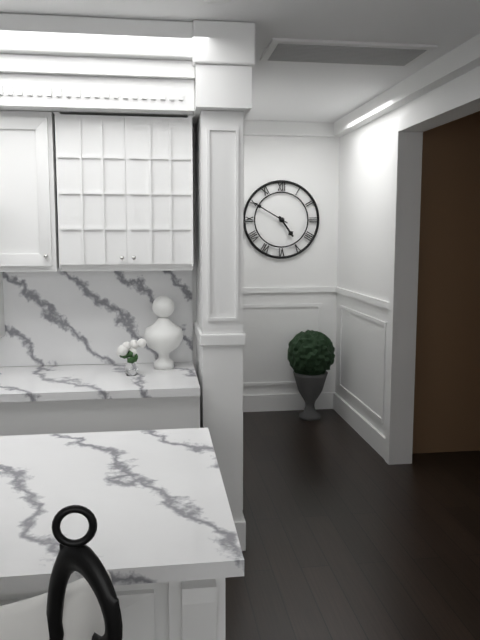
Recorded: **4:50**
